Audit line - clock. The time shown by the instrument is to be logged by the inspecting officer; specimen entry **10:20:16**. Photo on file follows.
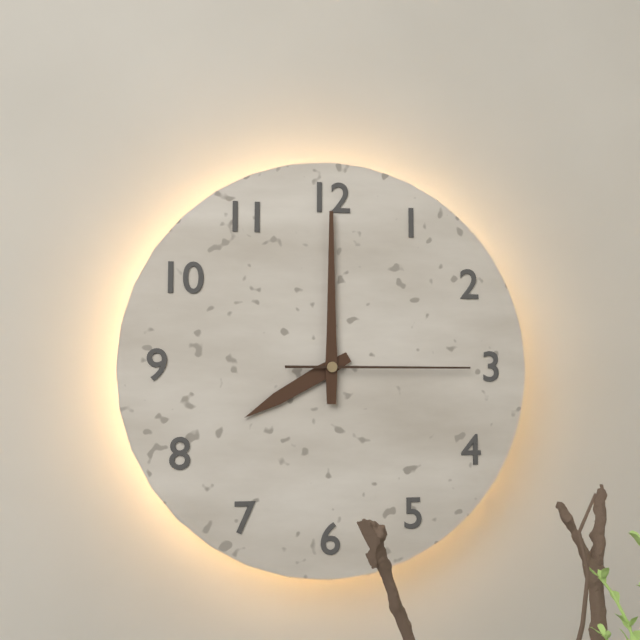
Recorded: **8:00:15**
